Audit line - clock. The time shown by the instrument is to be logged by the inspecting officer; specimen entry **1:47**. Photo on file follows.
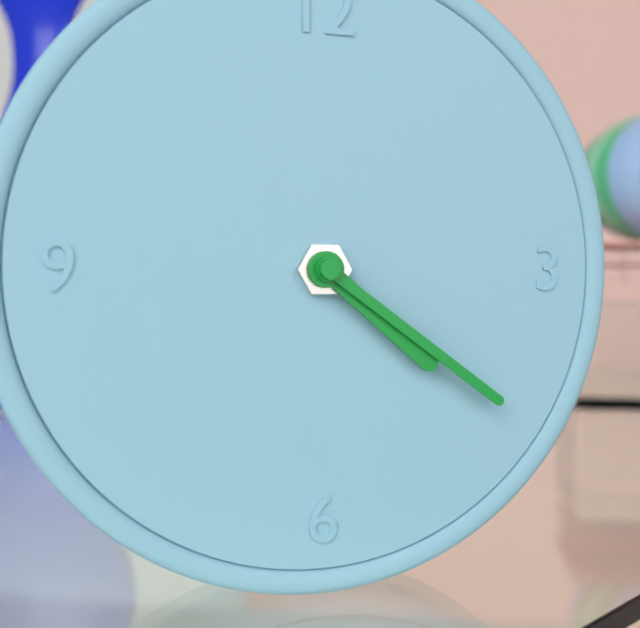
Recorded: **4:21**
